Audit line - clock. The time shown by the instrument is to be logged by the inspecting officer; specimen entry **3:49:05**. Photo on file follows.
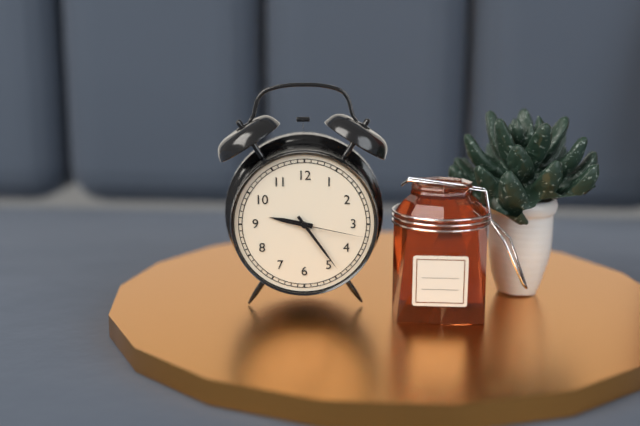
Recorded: **9:24:17**
